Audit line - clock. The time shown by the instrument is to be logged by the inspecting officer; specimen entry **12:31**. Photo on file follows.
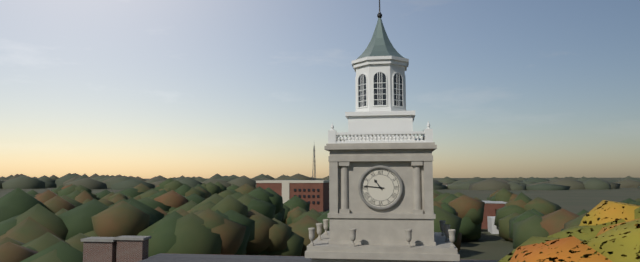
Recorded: **10:46**
